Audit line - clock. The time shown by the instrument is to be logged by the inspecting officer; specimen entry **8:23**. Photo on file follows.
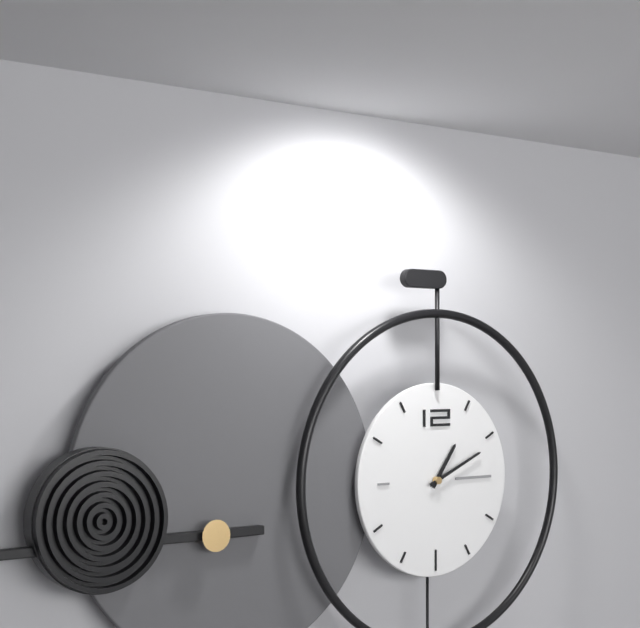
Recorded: **1:11**
